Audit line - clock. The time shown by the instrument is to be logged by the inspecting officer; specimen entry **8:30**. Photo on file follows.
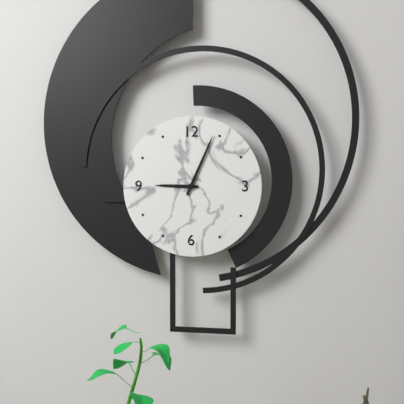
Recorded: **9:04**
